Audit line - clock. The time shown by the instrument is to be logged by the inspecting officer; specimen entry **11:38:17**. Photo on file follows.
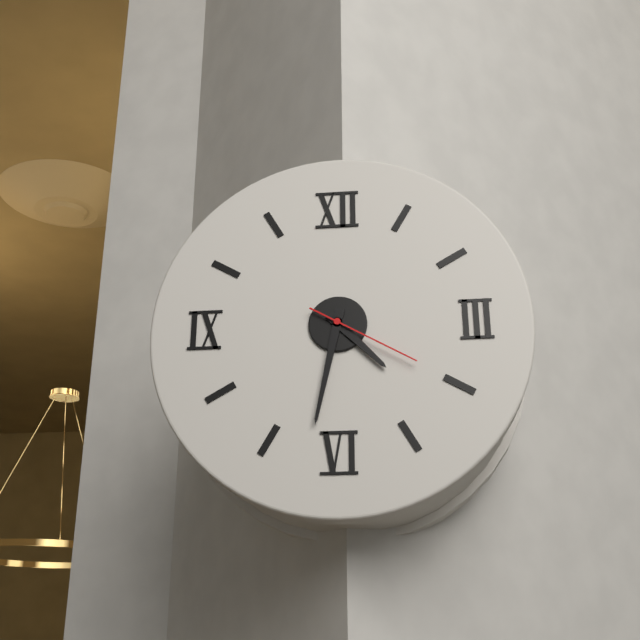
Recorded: **4:32:20**
